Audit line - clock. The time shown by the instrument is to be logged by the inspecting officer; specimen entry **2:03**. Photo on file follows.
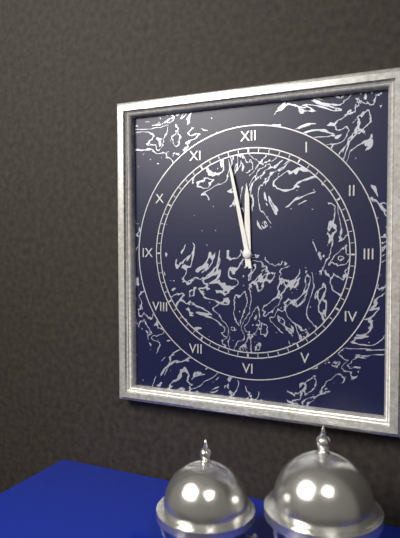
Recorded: **11:58**
